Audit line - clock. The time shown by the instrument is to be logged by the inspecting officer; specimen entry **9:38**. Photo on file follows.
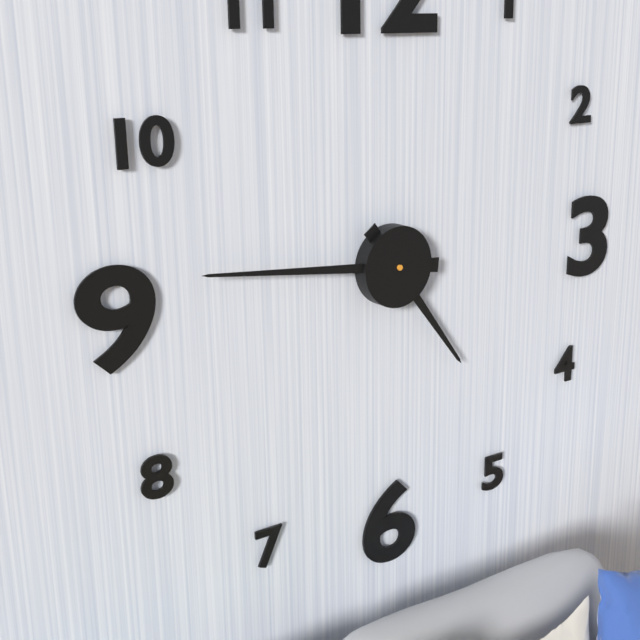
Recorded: **4:46**
